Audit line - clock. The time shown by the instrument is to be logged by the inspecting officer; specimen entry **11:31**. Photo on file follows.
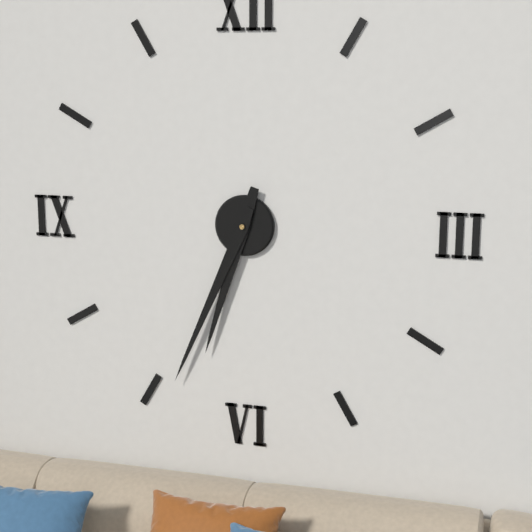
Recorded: **6:34**
